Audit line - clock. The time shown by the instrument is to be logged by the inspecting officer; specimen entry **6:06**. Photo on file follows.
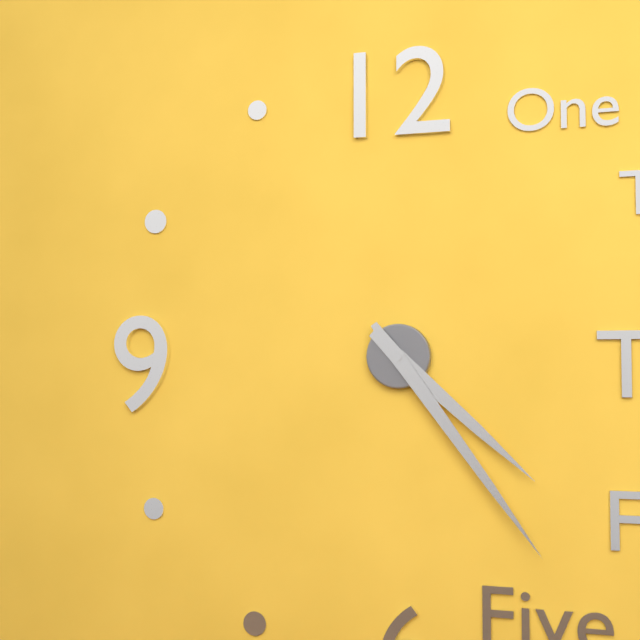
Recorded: **4:24**
